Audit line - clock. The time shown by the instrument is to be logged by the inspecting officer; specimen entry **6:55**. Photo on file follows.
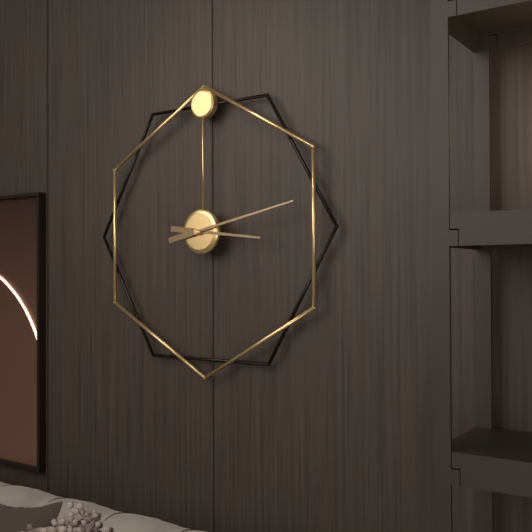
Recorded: **3:13**
